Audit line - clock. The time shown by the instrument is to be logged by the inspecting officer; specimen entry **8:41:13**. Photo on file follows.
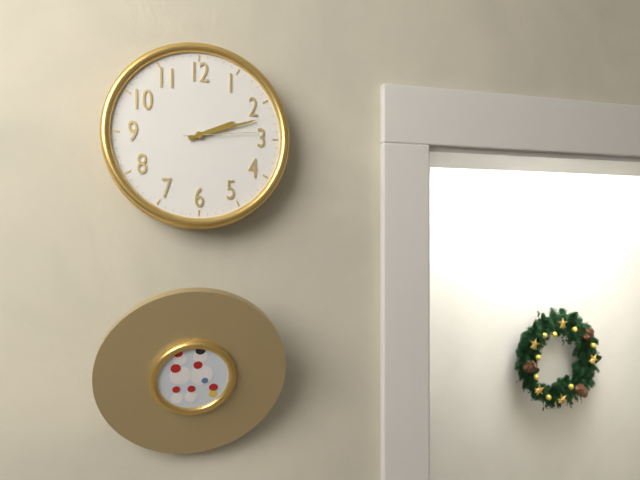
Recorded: **2:12:14**
